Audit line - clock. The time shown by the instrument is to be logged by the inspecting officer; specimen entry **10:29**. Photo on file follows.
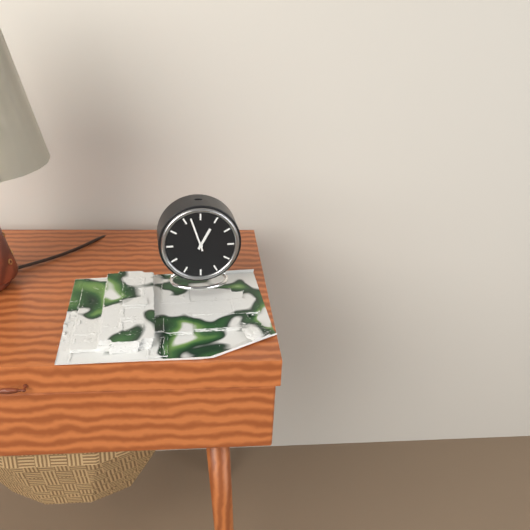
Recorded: **12:57**
